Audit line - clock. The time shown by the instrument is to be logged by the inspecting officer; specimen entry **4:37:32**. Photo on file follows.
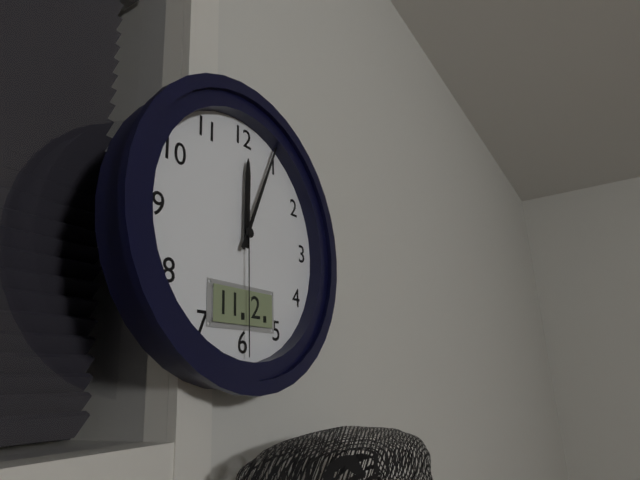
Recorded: **12:04:30**
